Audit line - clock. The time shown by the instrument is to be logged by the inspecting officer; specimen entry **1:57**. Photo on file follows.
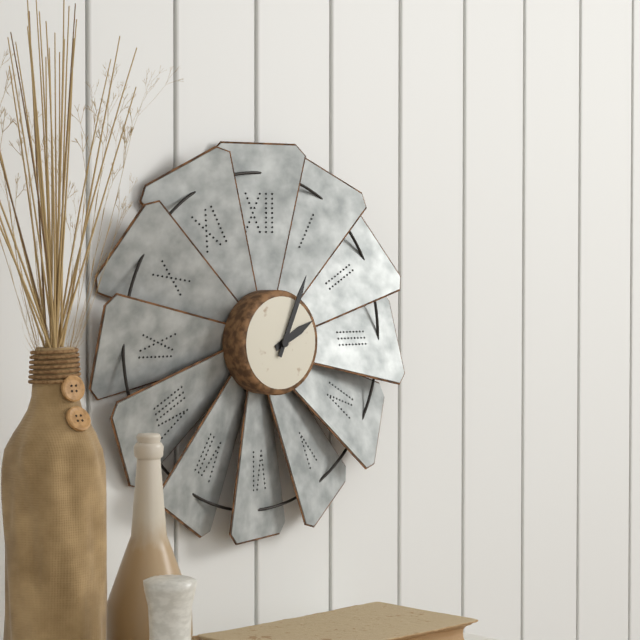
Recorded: **2:04**
